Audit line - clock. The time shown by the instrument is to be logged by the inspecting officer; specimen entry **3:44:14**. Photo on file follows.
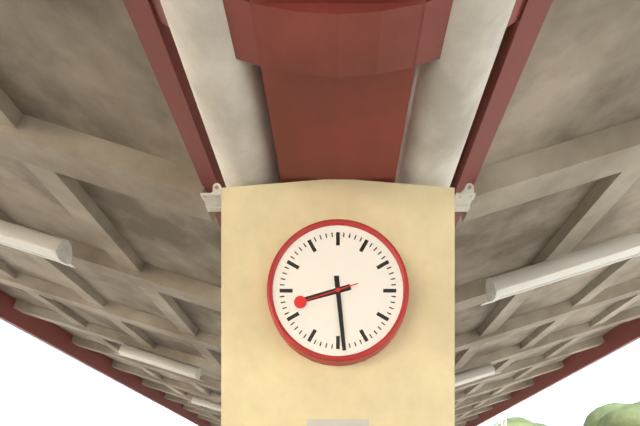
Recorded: **8:29:42**
